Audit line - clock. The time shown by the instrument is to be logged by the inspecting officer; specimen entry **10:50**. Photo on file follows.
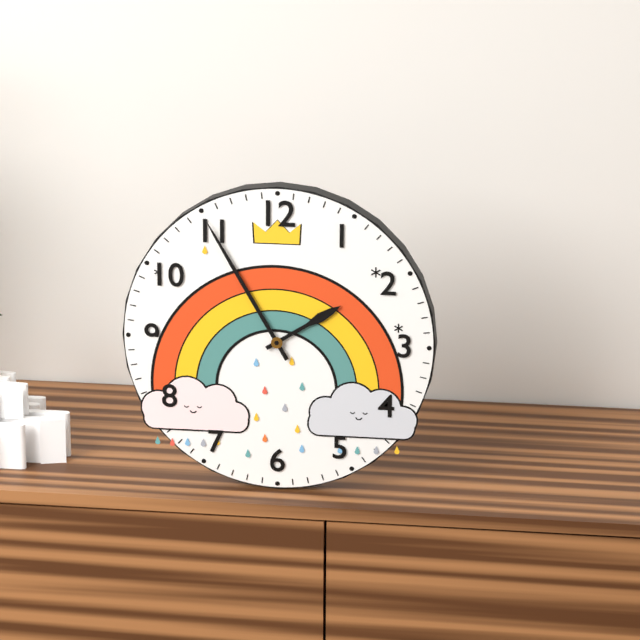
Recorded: **1:55**
